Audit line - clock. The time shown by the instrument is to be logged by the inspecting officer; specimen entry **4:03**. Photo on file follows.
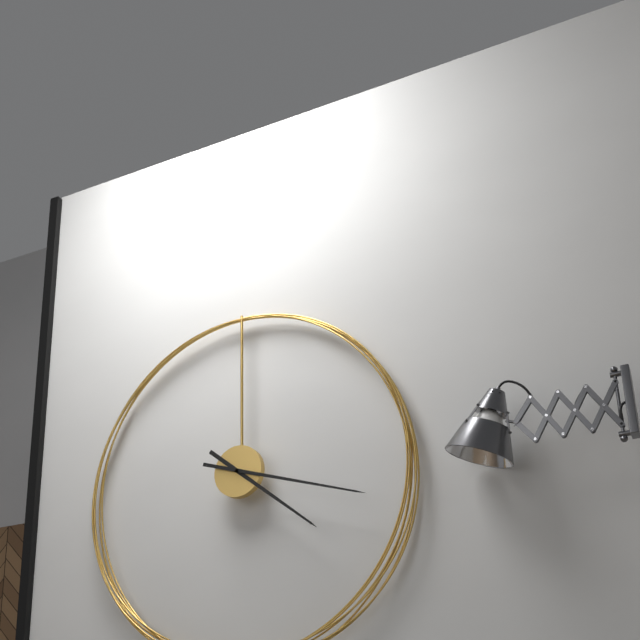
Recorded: **4:18**
